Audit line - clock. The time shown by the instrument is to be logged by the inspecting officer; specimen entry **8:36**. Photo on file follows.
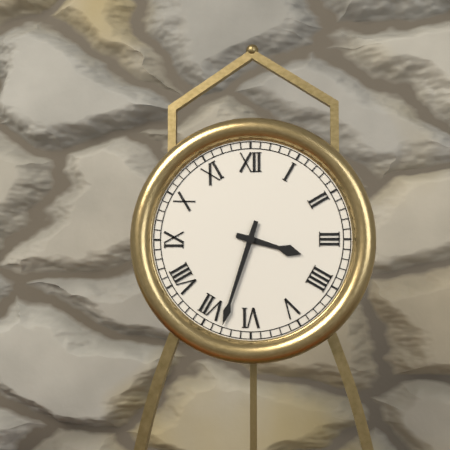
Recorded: **3:33**
